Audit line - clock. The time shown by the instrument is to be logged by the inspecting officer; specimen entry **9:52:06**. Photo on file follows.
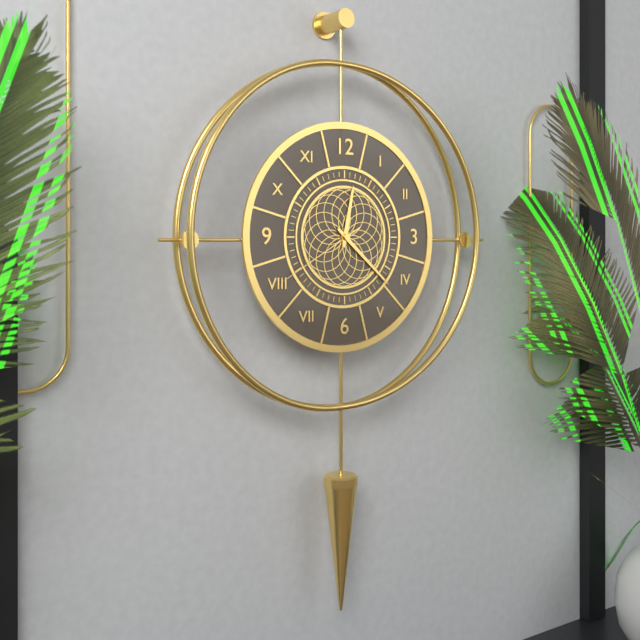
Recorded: **12:22:40**
